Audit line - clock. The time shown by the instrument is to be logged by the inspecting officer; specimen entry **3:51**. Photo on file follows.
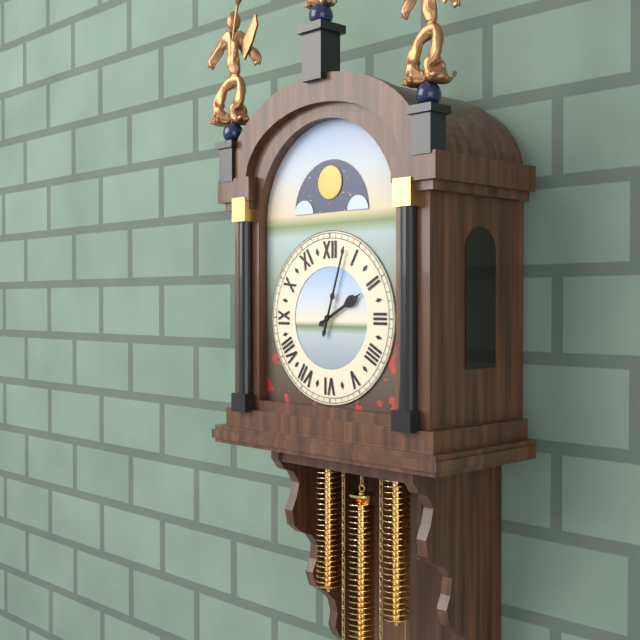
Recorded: **2:03**
